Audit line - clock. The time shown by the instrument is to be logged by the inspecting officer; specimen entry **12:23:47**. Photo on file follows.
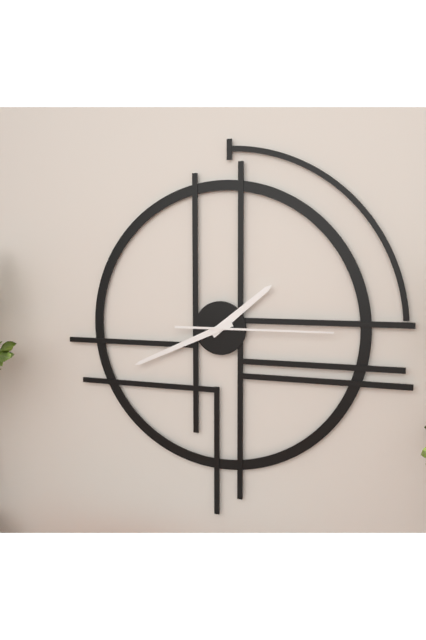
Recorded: **1:41:15**
